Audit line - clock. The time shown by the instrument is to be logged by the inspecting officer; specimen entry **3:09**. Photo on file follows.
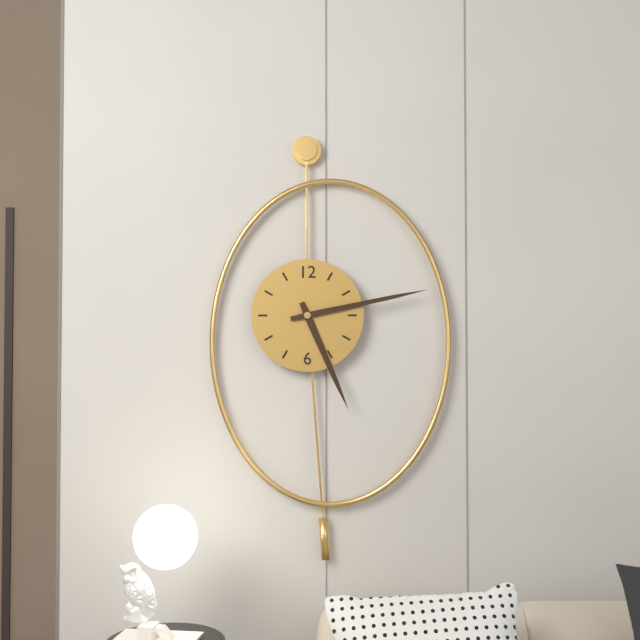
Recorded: **5:13**
